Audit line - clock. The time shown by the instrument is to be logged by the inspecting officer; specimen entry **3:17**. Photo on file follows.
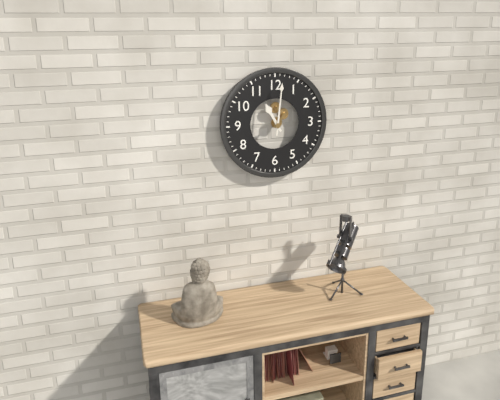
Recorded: **11:01**
